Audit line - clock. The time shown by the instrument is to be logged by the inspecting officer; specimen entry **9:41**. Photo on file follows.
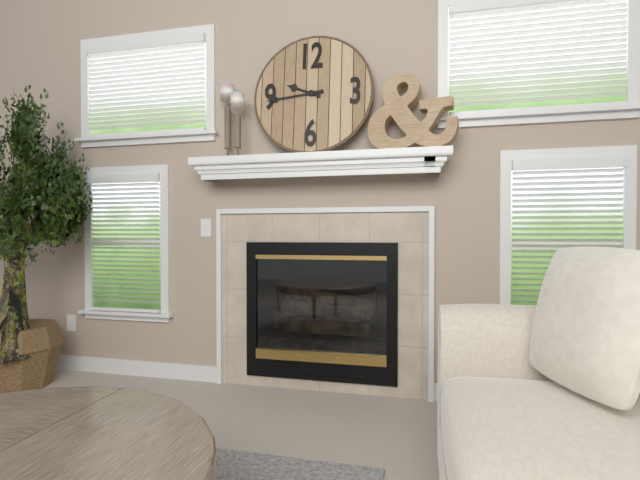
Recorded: **9:44**
